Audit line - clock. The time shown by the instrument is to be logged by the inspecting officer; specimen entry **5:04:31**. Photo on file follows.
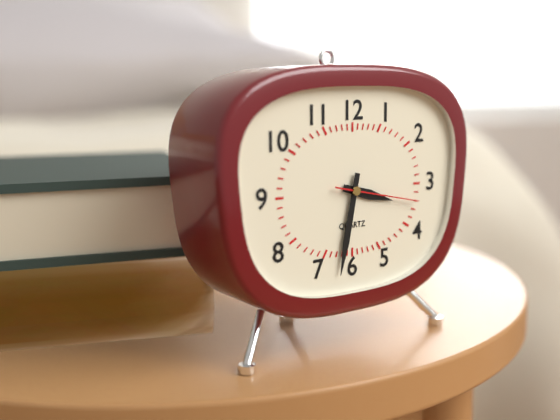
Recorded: **3:32:17**
